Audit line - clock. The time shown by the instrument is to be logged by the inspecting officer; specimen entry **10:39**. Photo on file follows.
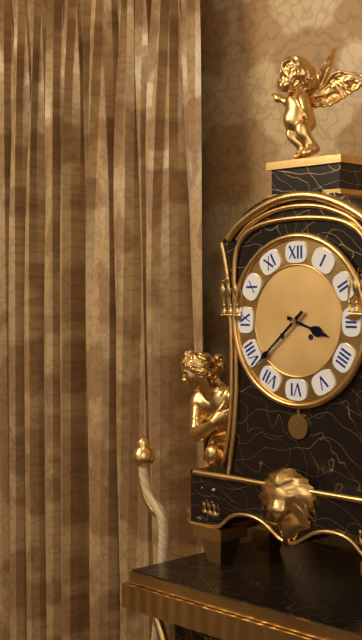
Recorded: **3:38**
